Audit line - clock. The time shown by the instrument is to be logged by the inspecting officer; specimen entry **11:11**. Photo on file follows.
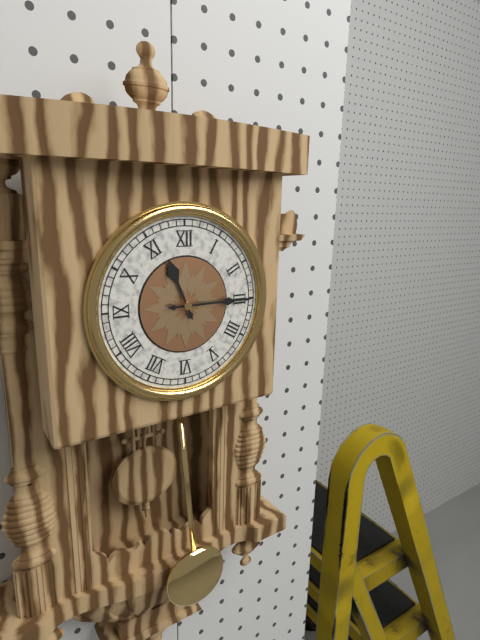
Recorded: **11:15**
